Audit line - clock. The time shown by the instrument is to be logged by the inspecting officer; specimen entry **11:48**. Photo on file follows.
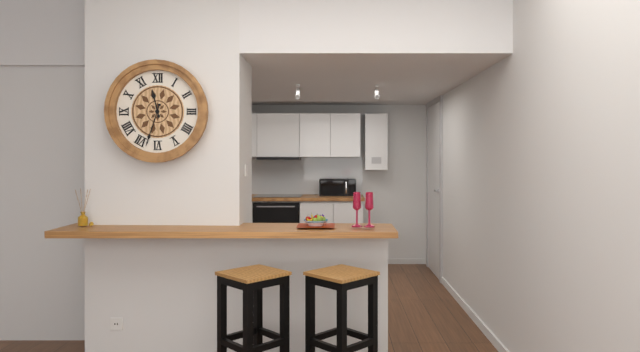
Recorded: **11:33**
